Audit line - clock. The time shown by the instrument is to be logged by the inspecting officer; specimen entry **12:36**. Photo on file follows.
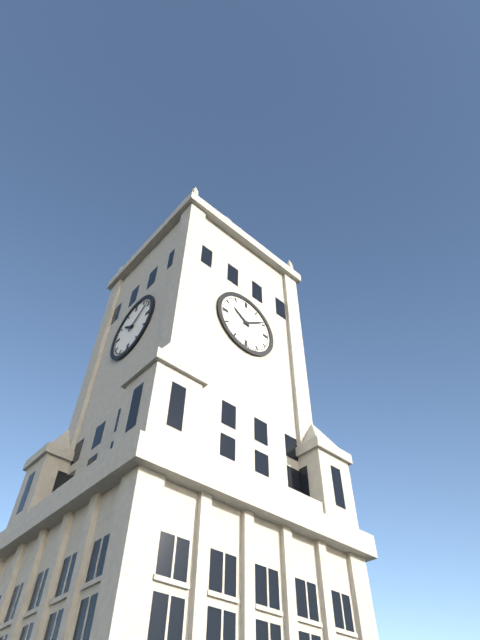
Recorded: **10:09**
